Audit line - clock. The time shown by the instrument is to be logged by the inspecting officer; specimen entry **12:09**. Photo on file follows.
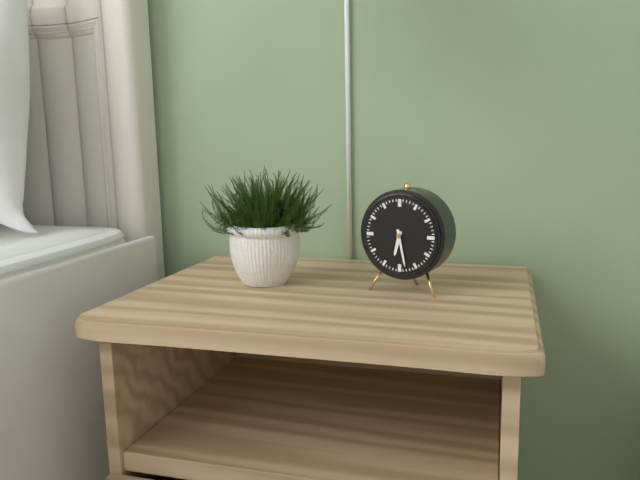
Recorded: **6:28**
